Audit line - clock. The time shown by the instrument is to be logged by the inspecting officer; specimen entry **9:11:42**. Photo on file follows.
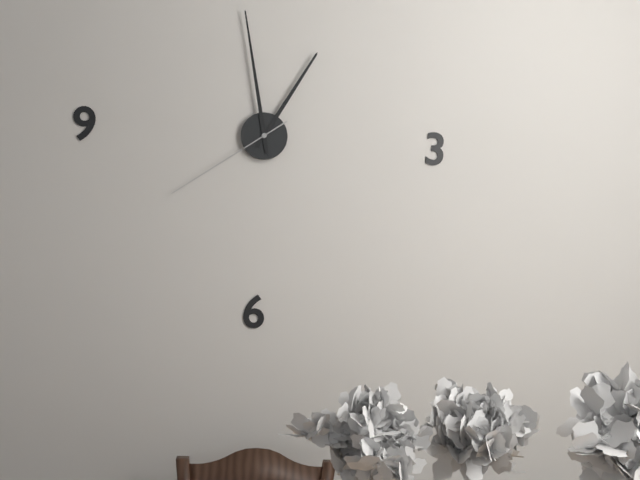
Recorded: **12:58:39**
